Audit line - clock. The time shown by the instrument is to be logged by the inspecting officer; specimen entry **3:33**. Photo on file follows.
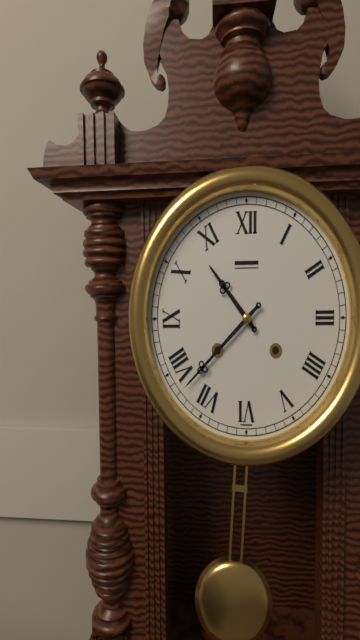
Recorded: **10:38**
